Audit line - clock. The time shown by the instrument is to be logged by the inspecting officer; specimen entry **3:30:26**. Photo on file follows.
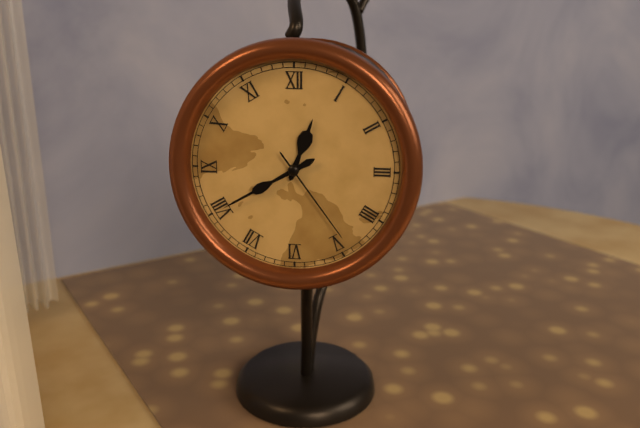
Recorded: **12:40:24**
